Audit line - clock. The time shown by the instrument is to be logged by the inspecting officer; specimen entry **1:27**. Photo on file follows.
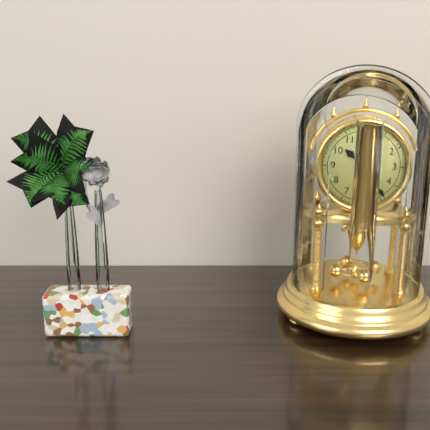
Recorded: **10:24**
